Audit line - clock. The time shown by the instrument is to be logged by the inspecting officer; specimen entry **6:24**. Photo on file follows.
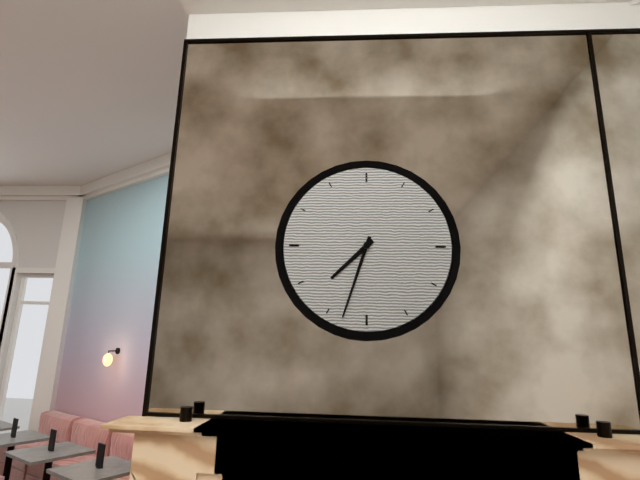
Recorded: **7:33**
